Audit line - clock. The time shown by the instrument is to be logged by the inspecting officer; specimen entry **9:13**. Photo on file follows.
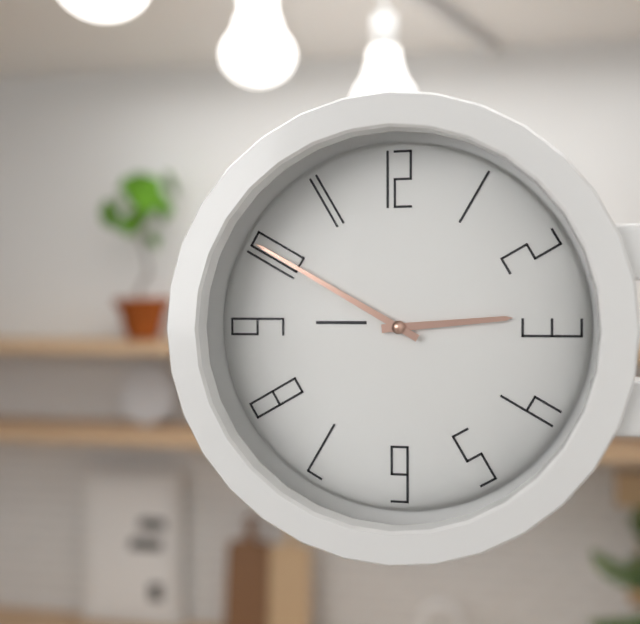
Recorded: **2:50**
